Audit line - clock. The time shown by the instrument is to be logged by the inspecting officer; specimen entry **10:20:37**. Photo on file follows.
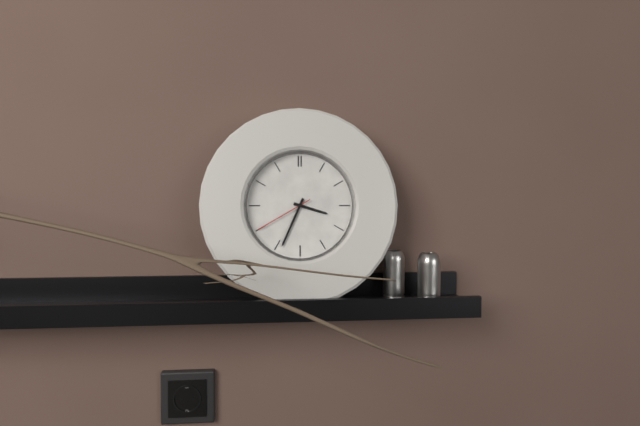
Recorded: **3:34:40**
